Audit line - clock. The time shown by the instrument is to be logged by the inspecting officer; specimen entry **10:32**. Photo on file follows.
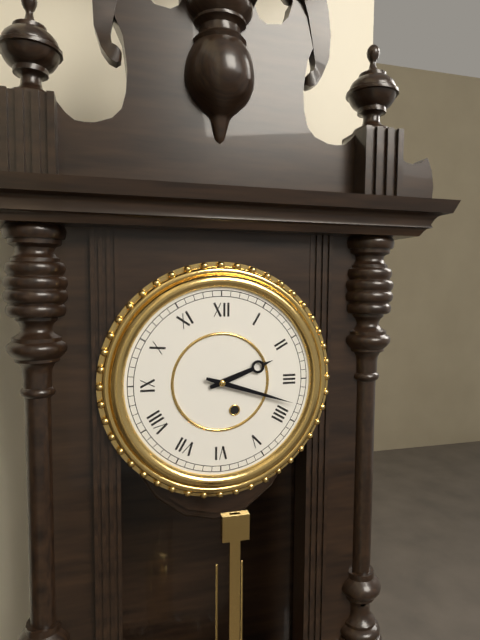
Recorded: **2:18**
